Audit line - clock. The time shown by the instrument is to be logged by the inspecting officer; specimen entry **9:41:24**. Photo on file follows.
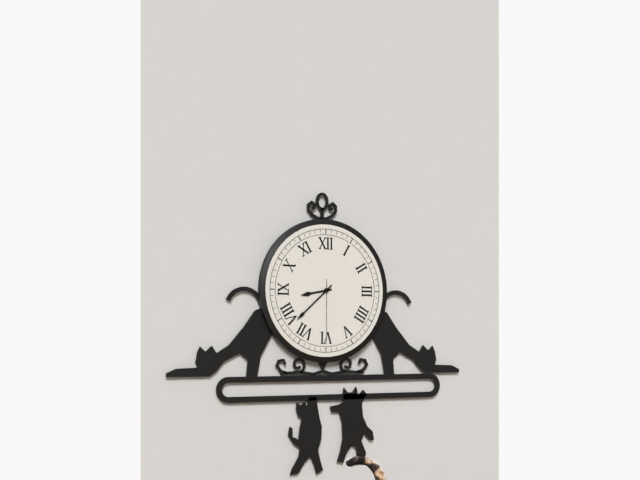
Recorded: **8:38:30**
